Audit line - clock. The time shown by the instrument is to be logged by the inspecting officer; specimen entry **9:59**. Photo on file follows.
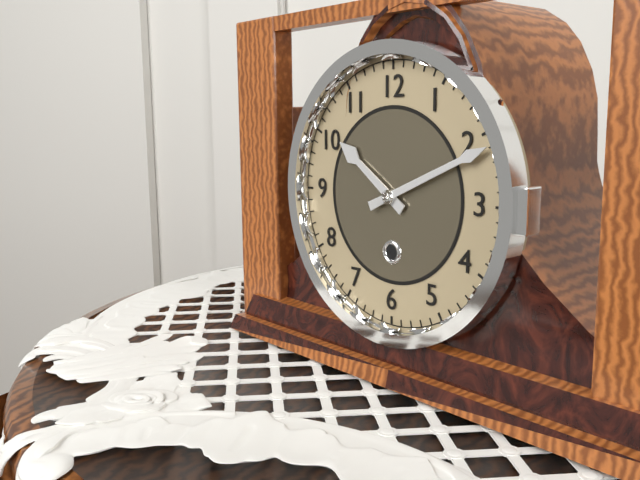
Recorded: **10:11**
